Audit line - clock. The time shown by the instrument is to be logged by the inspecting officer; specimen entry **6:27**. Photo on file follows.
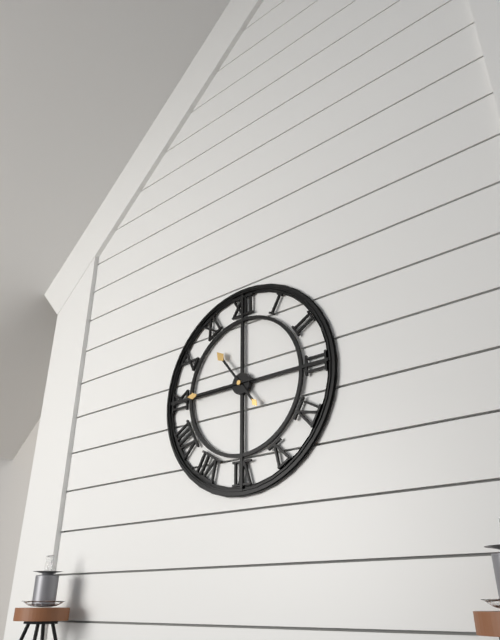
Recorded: **10:45**
